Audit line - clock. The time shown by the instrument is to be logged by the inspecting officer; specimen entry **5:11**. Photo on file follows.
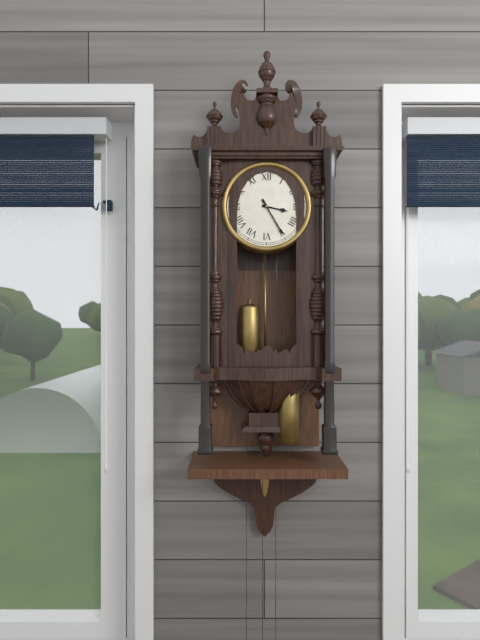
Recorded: **3:25**
